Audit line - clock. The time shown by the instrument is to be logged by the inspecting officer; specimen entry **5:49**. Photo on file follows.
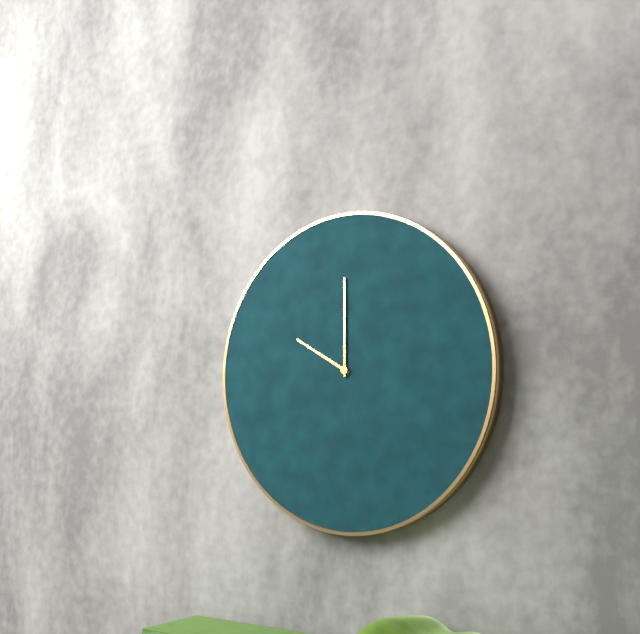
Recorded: **10:00**
